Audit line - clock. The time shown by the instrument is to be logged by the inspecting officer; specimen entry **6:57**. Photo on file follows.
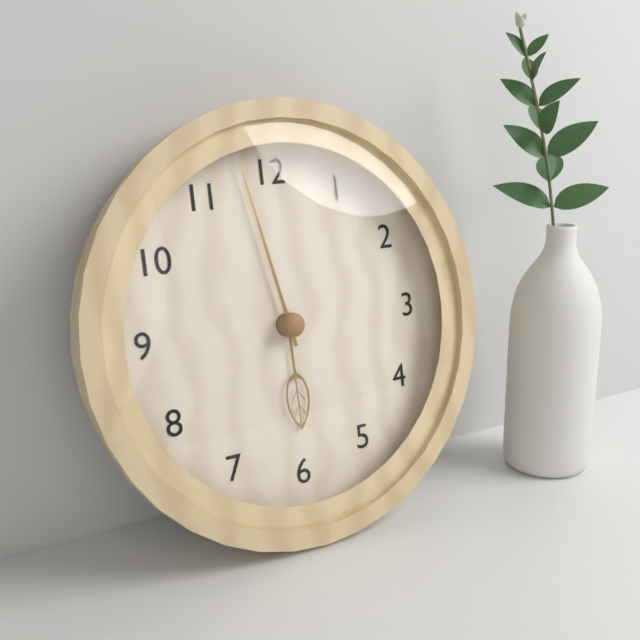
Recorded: **5:58**
